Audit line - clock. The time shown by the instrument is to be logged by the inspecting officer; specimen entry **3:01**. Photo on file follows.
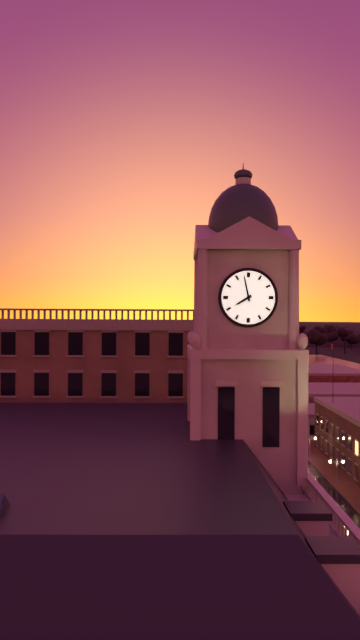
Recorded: **7:58**
